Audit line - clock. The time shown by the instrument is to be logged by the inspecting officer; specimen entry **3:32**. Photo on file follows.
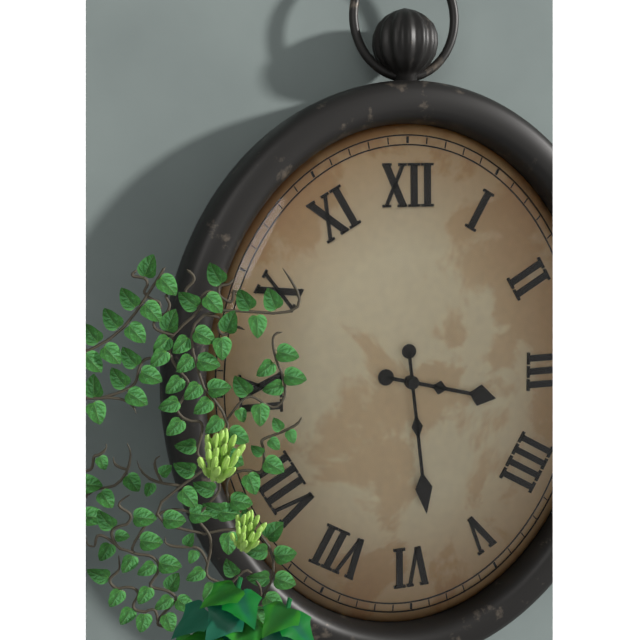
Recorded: **3:29**
